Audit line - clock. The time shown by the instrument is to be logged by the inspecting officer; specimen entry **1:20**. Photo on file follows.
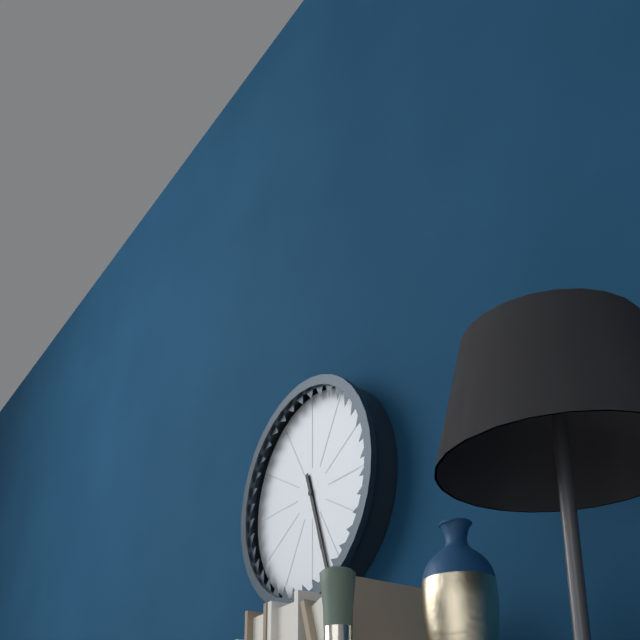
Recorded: **5:27**
